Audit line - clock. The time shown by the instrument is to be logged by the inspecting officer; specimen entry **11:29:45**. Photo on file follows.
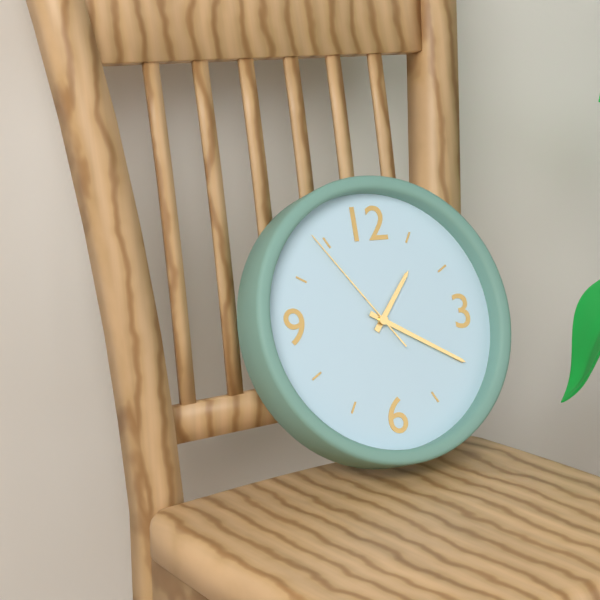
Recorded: **1:20:54**
